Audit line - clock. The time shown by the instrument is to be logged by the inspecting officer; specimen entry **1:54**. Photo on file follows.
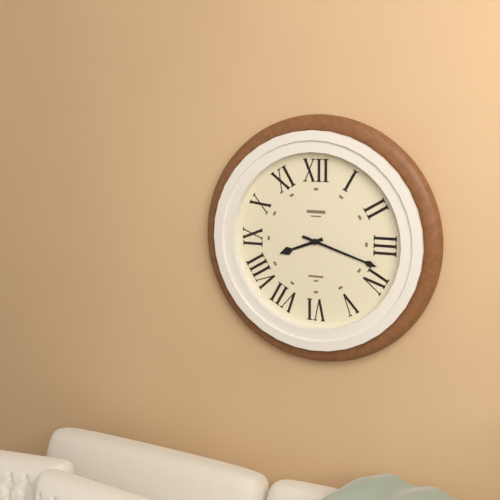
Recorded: **8:18**
